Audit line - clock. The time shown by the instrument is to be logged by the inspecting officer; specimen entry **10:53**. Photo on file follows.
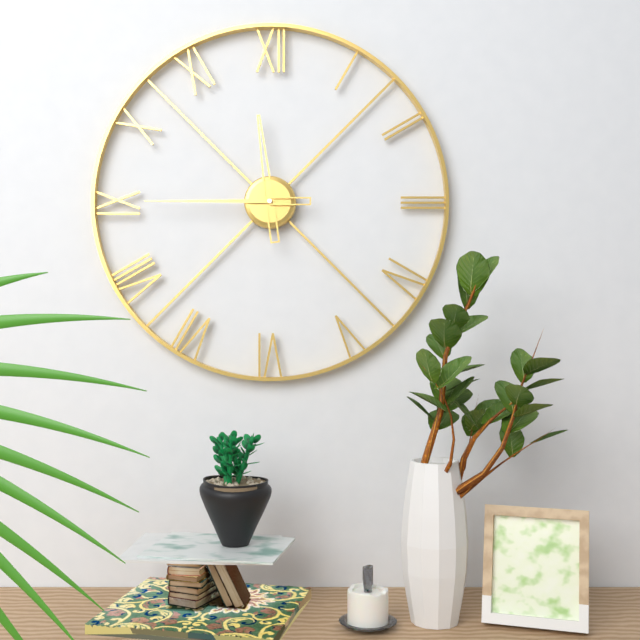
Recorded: **11:45**
